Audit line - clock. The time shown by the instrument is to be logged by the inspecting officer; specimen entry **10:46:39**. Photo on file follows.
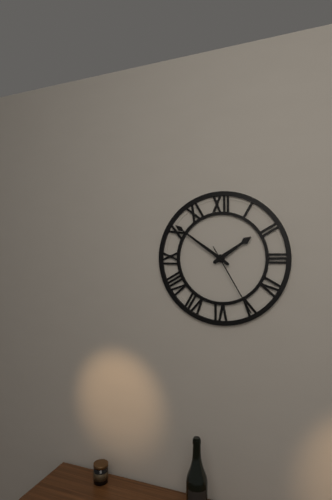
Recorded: **1:51:25**
